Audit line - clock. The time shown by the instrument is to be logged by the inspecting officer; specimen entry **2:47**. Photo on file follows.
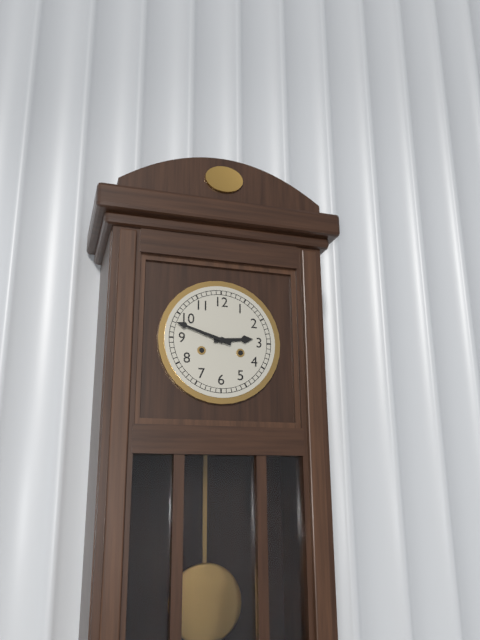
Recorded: **2:48**
